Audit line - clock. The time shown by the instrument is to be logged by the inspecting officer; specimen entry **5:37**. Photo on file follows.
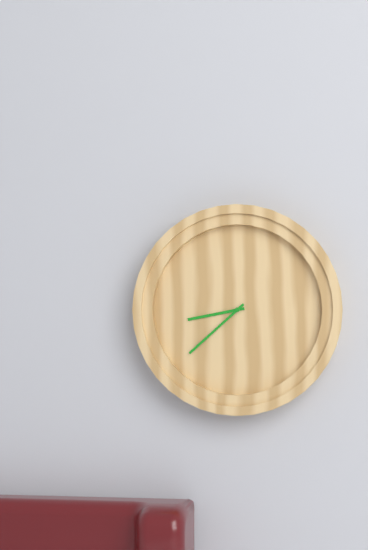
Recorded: **8:38**
